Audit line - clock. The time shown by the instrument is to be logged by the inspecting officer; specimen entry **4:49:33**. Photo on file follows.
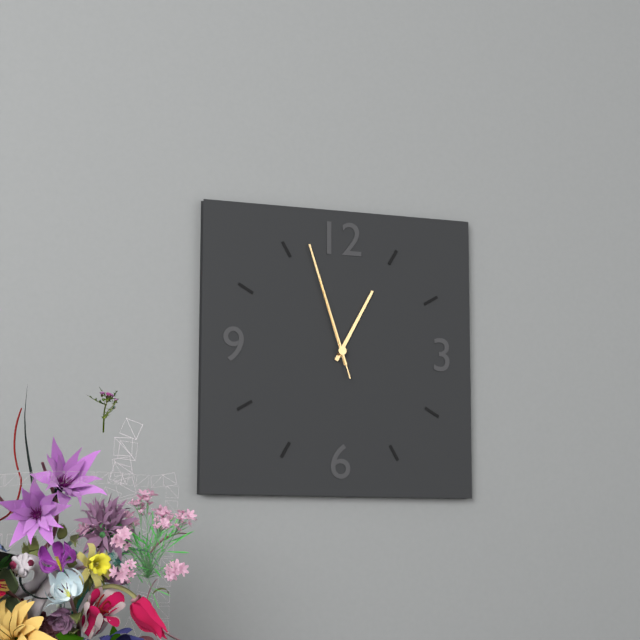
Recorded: **12:57:57**
